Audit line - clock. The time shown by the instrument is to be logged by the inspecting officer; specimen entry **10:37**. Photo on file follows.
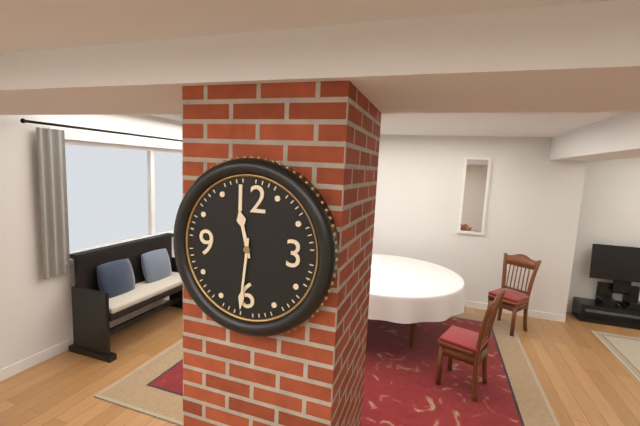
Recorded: **11:31**
